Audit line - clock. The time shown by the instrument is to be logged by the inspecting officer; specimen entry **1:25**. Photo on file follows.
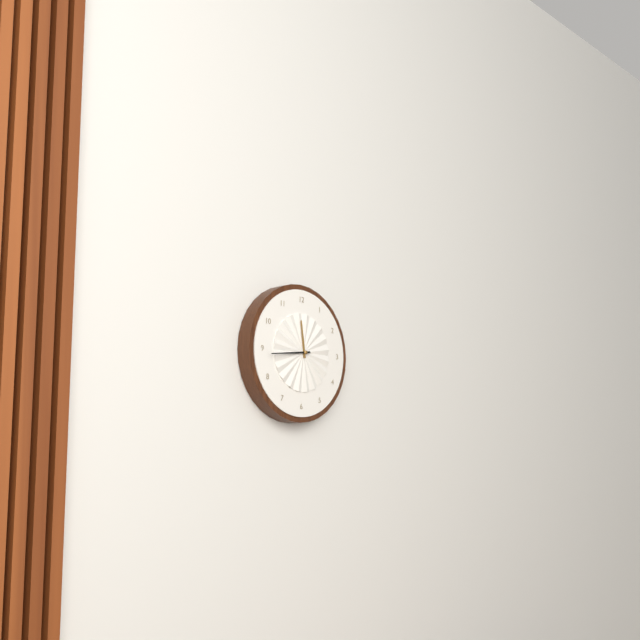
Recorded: **11:44**
